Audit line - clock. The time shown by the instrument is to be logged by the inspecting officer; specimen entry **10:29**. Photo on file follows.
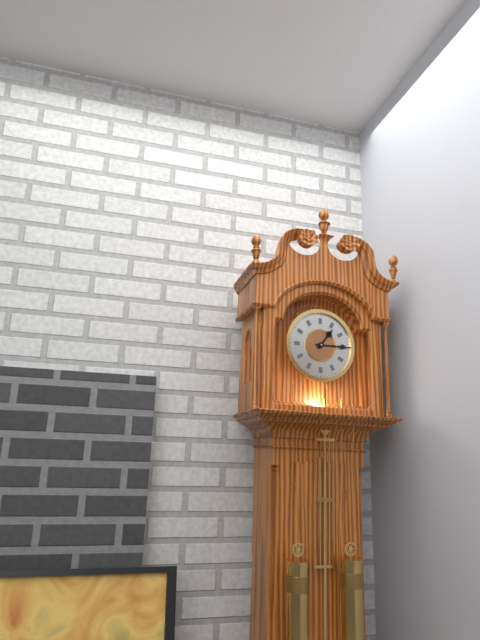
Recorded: **1:15**
